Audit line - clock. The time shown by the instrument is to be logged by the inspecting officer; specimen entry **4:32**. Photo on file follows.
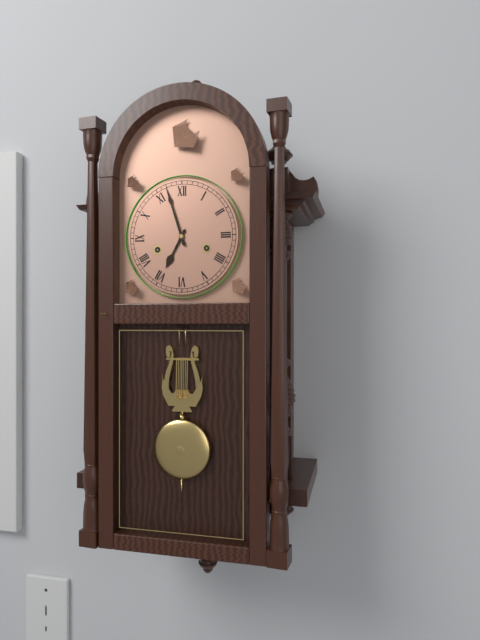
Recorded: **6:57**
